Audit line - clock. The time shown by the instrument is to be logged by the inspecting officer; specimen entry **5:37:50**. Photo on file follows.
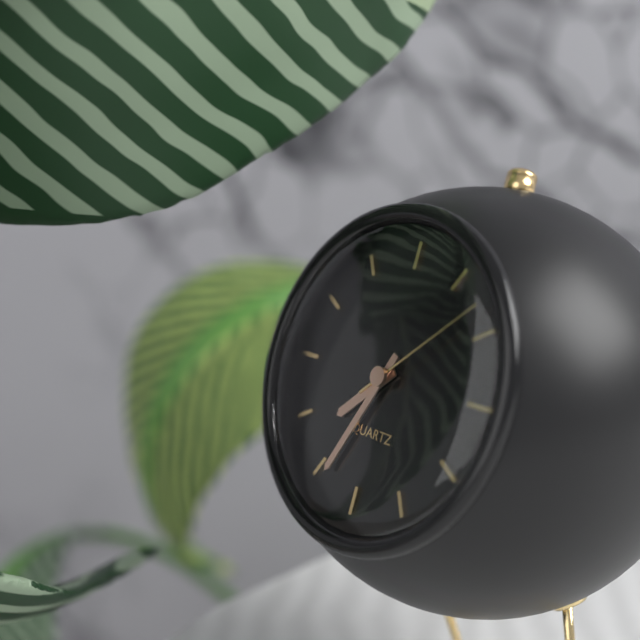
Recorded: **7:34:08**
